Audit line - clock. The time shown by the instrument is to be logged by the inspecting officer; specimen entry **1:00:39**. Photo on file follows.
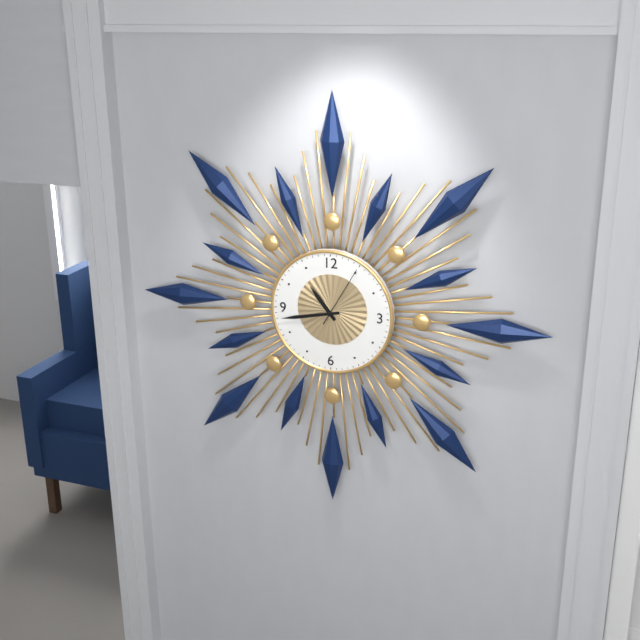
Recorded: **10:43:05**
